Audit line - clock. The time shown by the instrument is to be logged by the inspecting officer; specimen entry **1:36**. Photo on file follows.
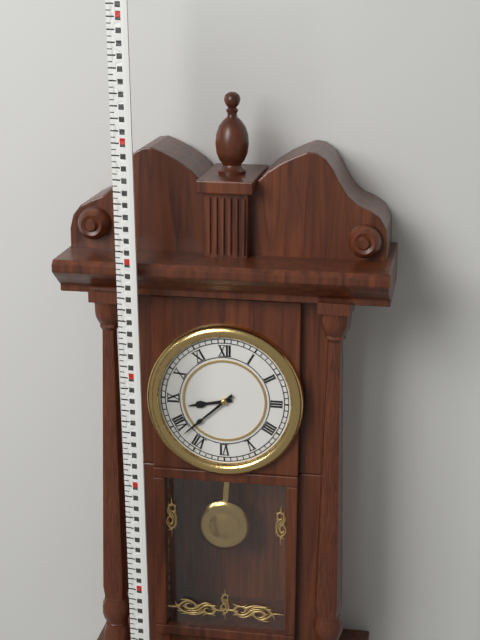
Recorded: **8:38**
